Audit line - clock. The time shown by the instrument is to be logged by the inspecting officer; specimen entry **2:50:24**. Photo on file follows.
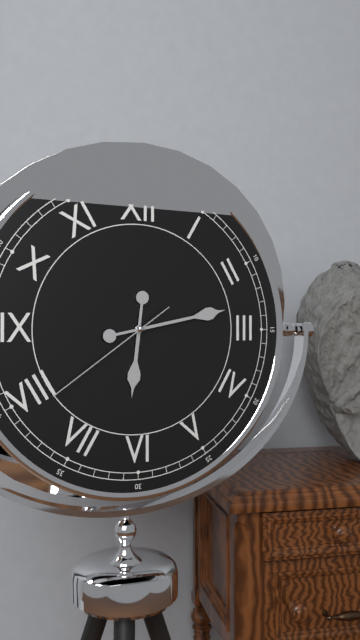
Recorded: **6:13:39**
